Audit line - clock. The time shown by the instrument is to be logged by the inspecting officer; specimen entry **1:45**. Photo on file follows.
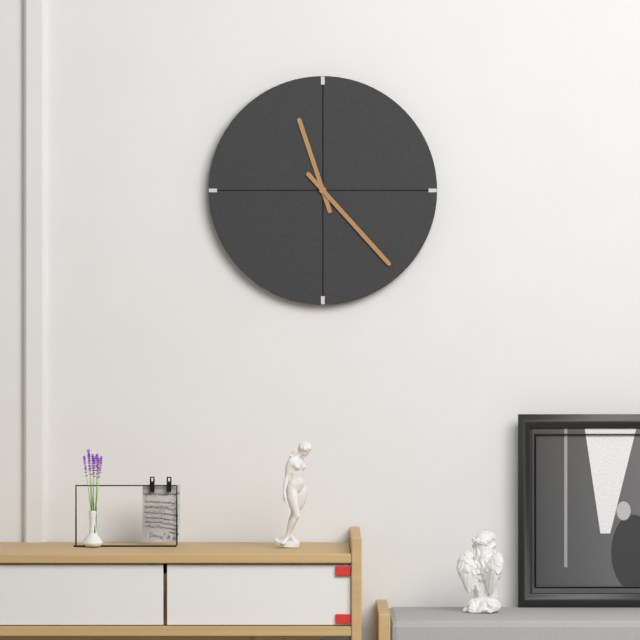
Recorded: **11:23**
